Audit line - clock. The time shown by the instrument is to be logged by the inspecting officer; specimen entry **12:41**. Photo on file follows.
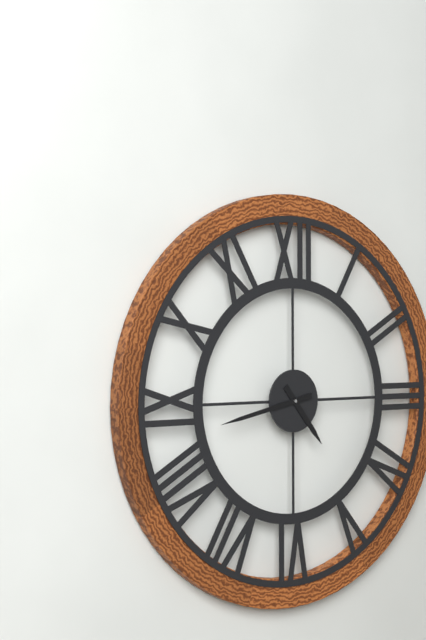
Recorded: **4:43**
